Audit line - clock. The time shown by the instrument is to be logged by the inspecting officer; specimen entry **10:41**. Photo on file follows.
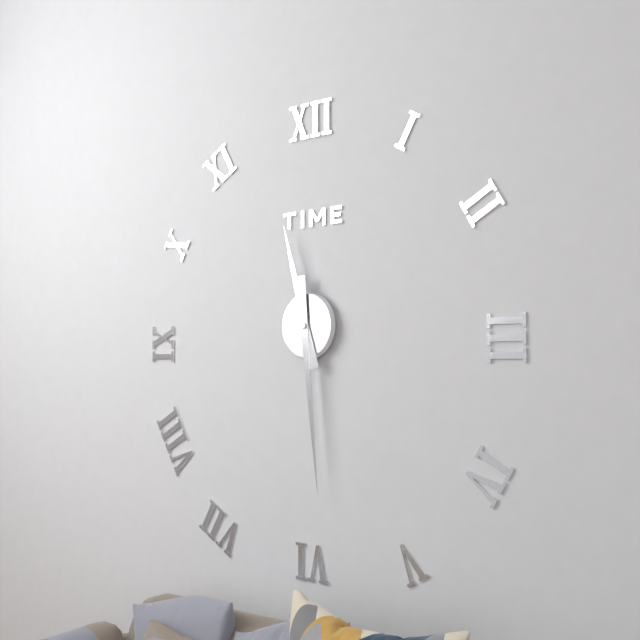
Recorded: **11:29**
